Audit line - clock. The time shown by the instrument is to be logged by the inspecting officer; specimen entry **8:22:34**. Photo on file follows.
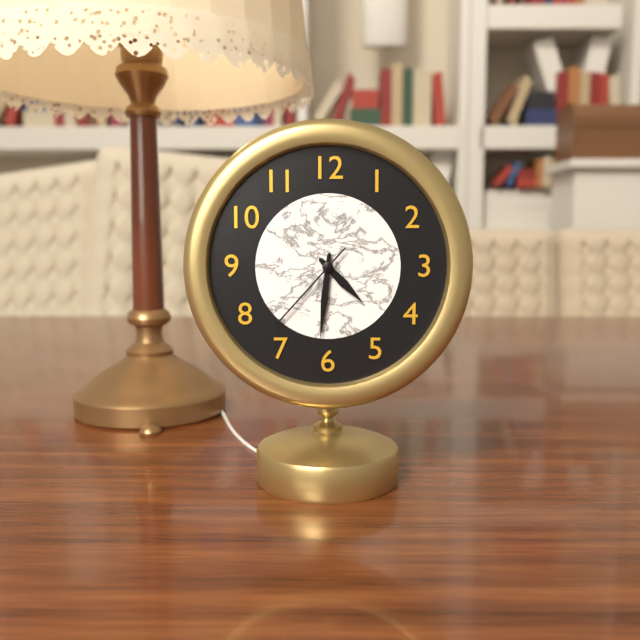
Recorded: **4:31:37**
